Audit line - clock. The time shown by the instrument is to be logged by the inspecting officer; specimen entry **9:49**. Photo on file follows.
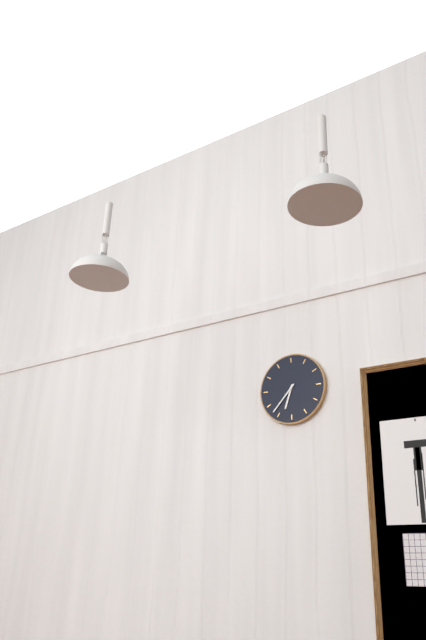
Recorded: **6:37**
